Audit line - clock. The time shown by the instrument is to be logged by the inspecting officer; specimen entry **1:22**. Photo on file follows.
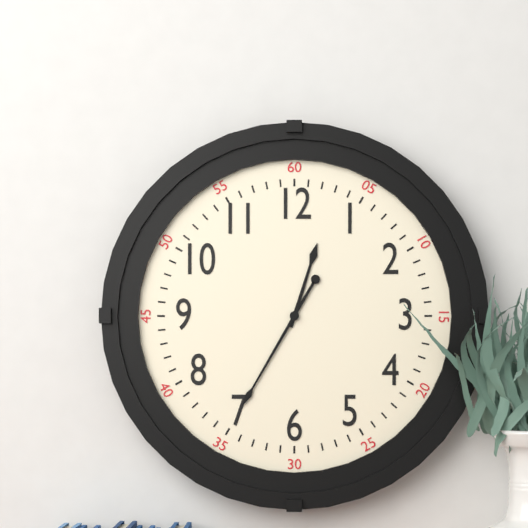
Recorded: **12:35**
